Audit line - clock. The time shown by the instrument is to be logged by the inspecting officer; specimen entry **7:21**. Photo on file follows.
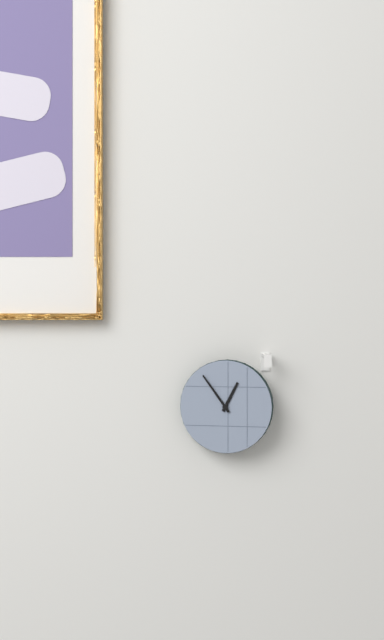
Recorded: **12:54**
